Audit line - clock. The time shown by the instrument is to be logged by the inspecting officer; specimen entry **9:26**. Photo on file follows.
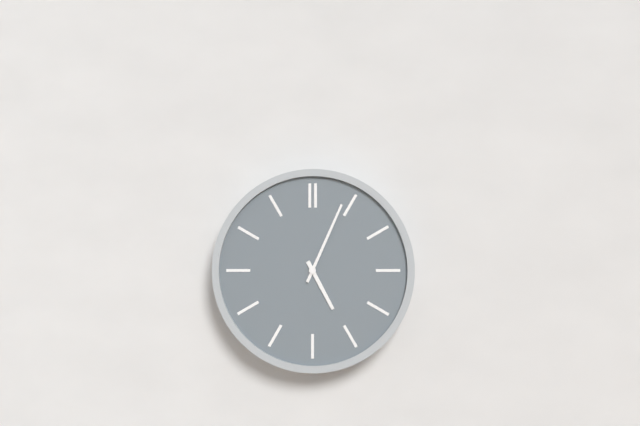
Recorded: **5:04**
